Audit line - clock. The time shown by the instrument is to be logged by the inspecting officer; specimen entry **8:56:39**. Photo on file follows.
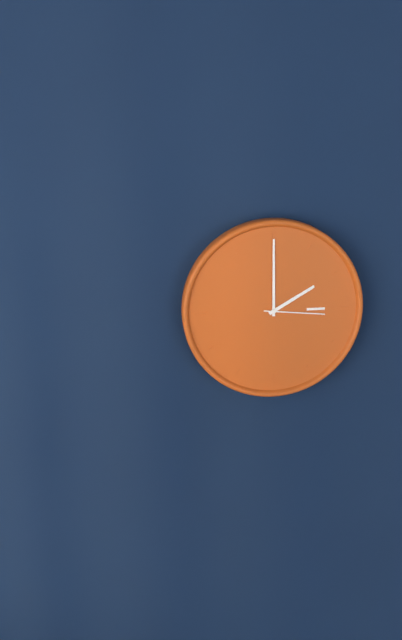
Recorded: **2:00:16**
